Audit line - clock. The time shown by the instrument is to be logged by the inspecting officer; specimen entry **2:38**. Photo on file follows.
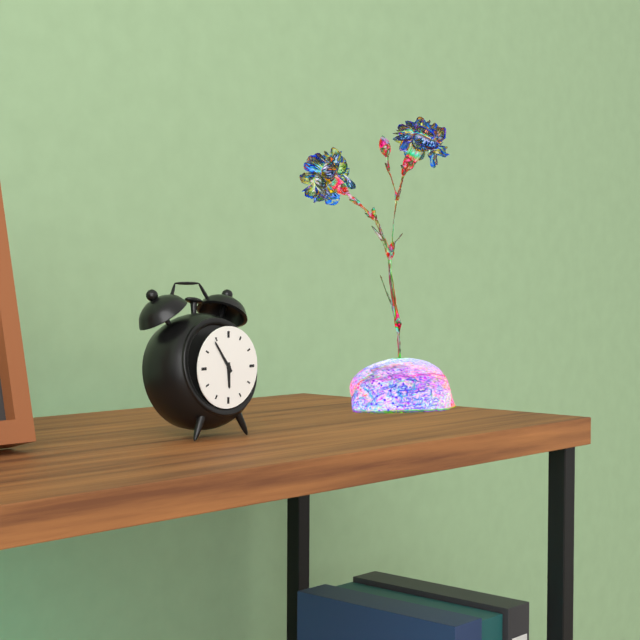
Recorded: **5:54**
